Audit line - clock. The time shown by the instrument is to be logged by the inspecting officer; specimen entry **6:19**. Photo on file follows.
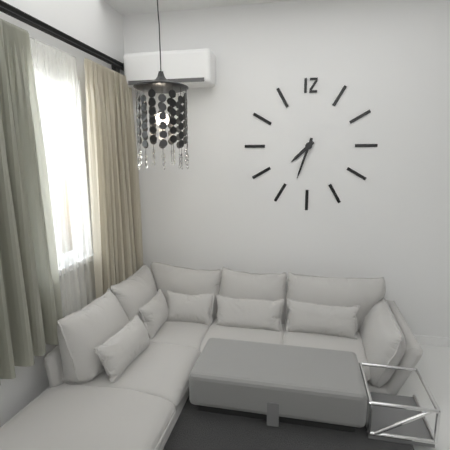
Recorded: **7:33**
